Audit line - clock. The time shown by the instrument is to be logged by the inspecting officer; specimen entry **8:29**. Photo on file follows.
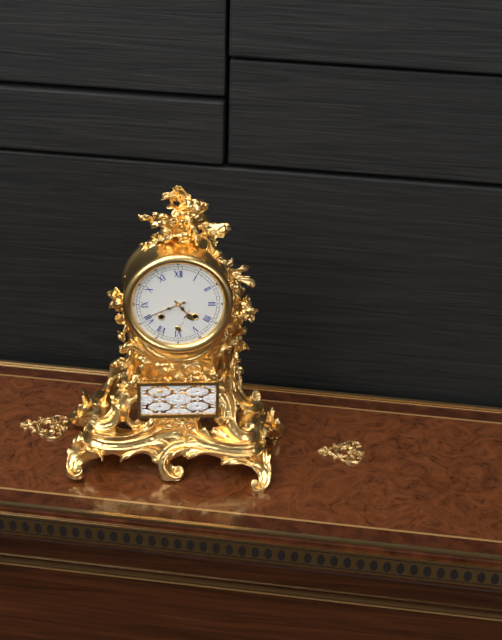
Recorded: **4:41**
